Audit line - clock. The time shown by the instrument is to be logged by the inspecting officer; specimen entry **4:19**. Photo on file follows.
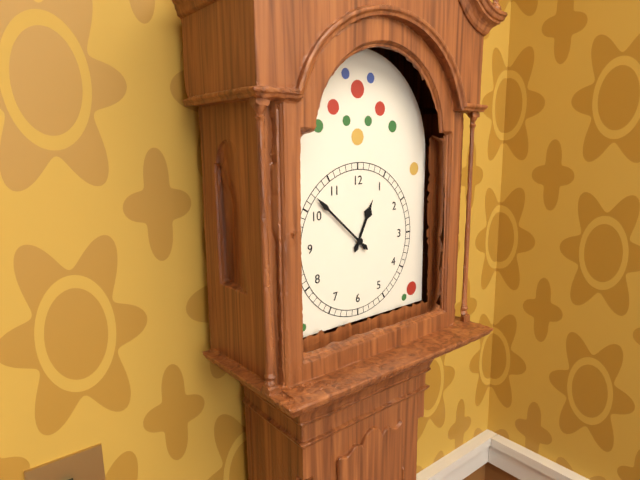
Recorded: **12:52**
